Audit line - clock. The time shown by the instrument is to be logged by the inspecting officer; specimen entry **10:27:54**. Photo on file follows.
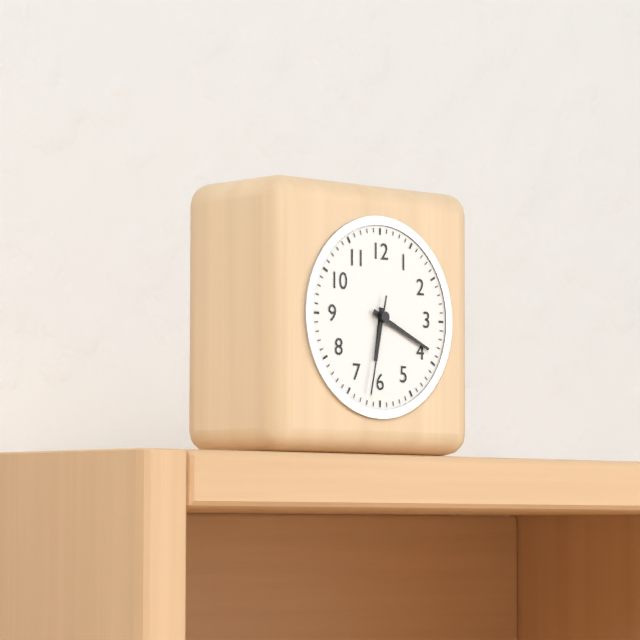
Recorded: **6:19:32**
